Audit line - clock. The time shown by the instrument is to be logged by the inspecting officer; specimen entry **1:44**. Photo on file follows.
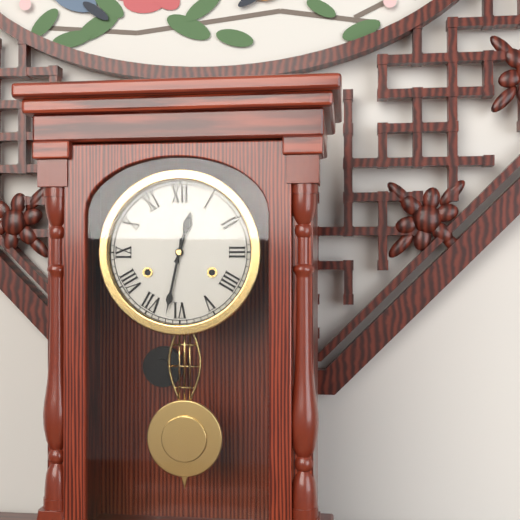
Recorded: **12:32**
